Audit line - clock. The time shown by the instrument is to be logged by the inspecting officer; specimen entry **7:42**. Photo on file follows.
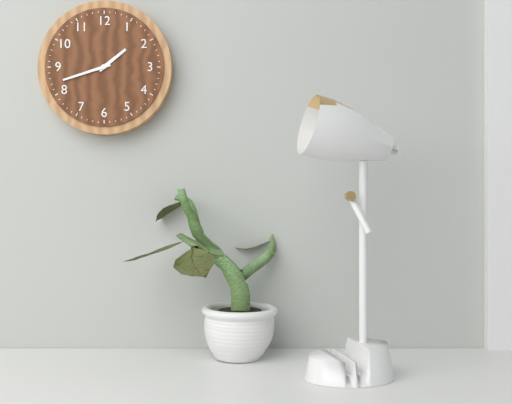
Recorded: **1:42**
